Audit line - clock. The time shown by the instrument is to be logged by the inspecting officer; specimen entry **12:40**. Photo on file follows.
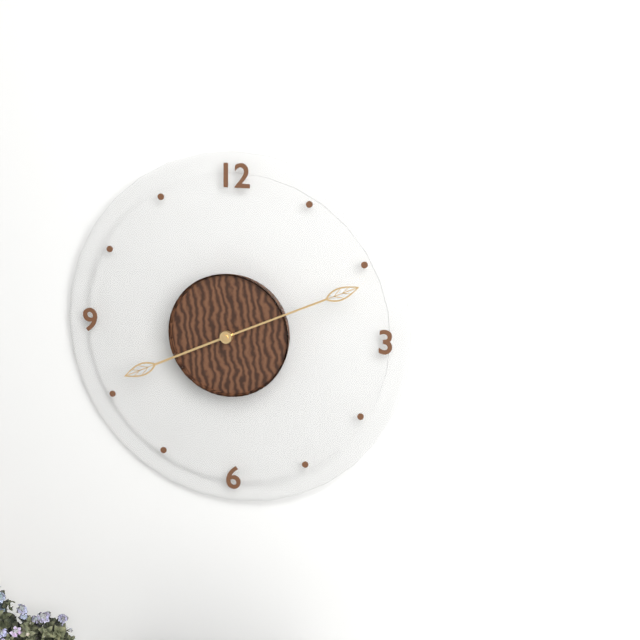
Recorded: **8:11**
